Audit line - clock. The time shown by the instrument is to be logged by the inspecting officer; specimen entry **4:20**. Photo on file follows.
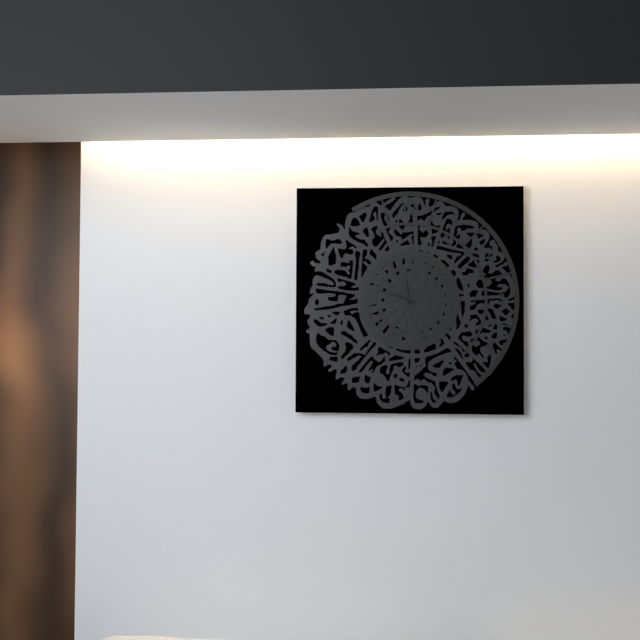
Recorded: **11:48**
